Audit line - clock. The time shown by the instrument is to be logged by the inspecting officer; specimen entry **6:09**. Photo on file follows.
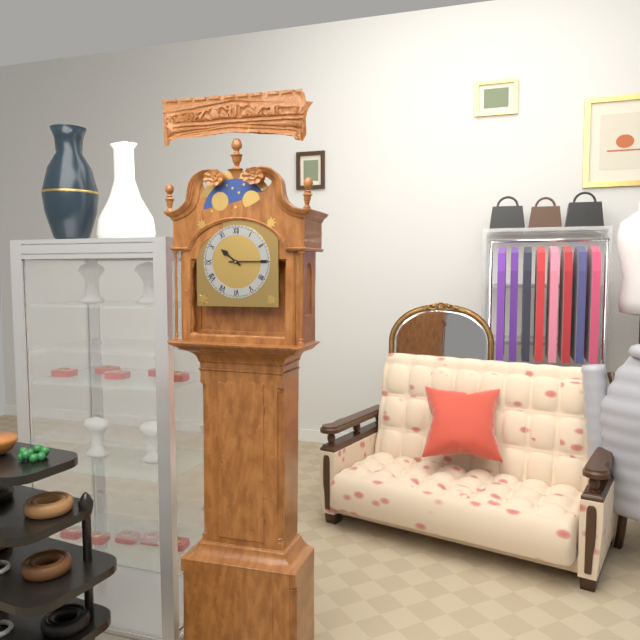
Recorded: **10:15**
